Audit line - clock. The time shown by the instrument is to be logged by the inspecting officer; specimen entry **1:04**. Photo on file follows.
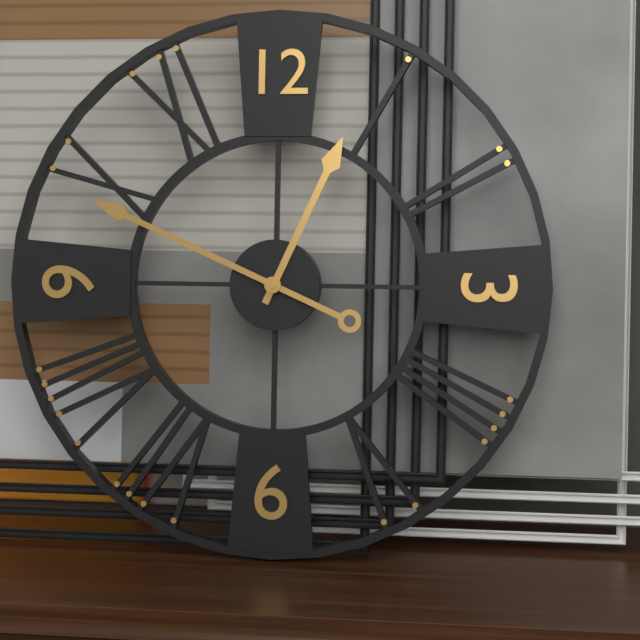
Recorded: **12:49**
